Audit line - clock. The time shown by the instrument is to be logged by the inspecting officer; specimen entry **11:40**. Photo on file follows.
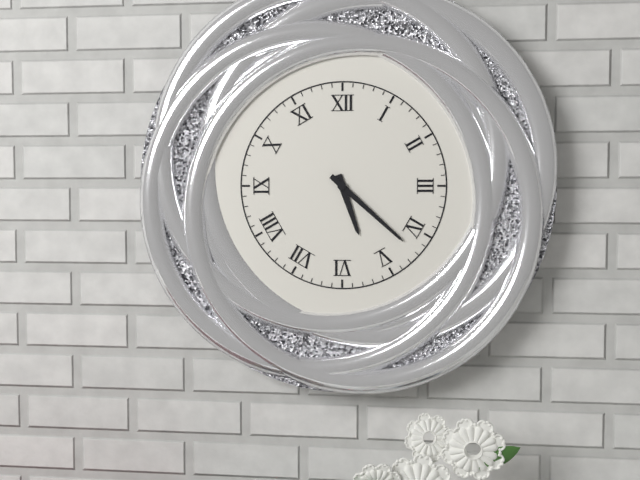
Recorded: **5:22**
